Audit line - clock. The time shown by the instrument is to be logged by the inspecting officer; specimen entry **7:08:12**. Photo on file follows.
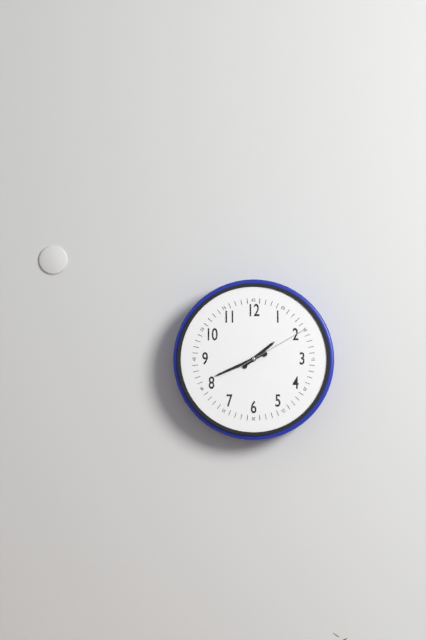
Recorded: **1:41:10**
